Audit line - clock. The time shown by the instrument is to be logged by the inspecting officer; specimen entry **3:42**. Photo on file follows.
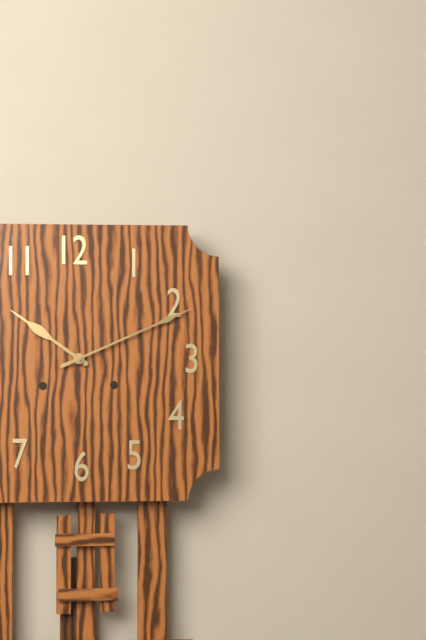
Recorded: **10:11**
